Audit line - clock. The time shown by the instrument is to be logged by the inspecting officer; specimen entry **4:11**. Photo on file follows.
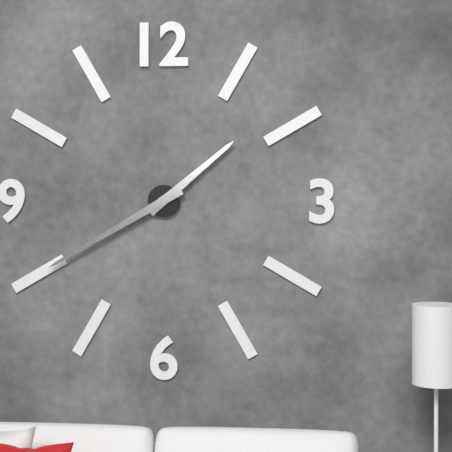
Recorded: **1:40**
